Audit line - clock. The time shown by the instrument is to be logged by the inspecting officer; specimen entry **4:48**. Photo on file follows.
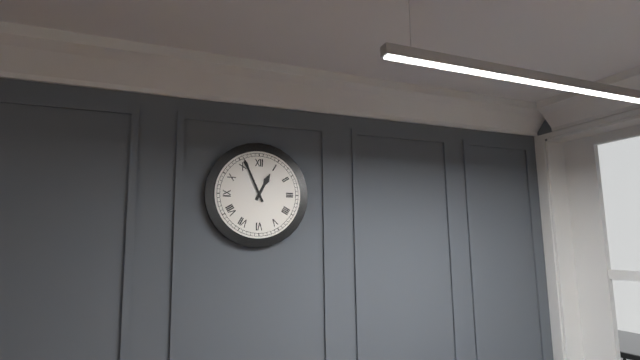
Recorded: **12:56**
